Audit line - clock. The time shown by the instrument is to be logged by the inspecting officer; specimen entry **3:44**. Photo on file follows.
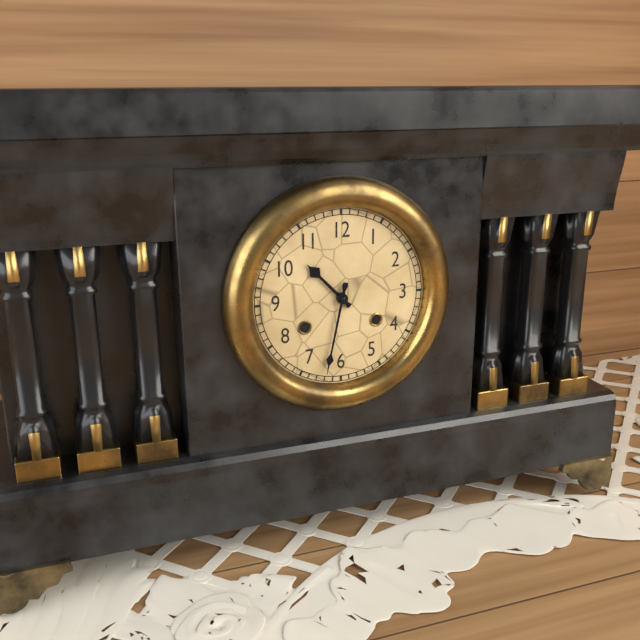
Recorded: **10:32**
